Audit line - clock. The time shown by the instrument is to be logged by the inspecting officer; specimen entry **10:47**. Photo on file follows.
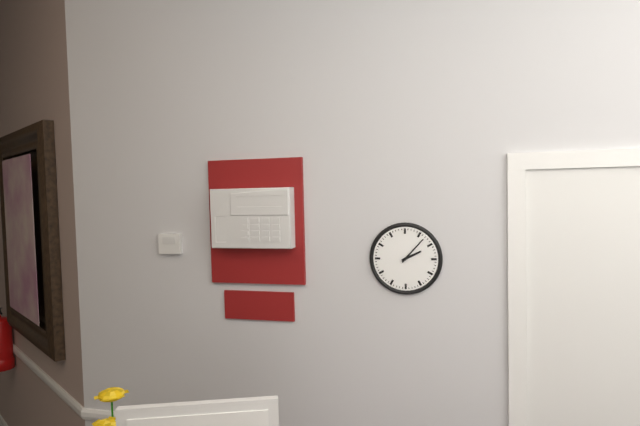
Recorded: **2:07**
